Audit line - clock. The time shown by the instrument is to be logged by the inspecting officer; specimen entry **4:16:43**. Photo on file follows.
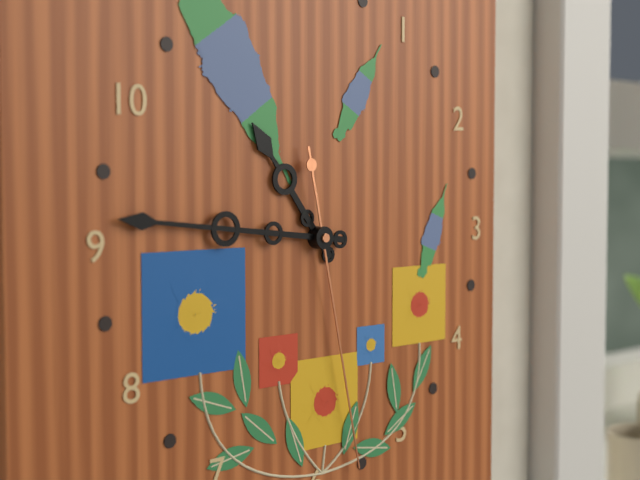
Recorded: **10:46:28**
